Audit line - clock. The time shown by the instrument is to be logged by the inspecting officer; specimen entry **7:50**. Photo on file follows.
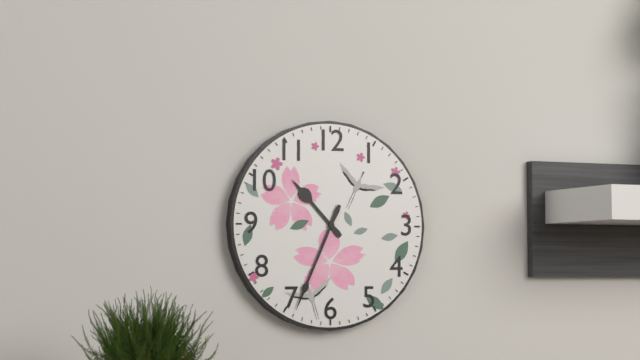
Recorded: **10:34**
